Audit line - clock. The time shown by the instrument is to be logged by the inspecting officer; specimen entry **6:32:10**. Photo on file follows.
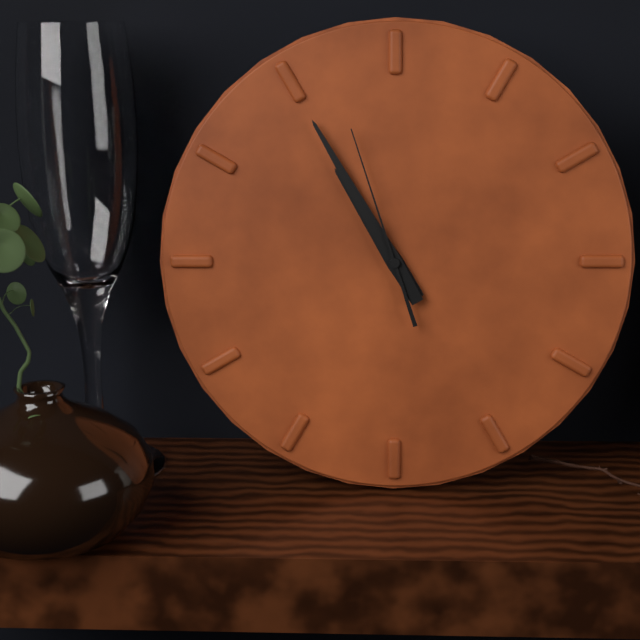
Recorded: **10:55:57**
